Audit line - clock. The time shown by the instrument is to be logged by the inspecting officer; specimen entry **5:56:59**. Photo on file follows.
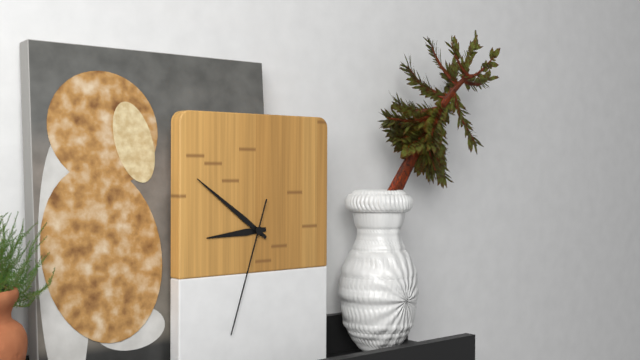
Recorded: **8:51:33**
